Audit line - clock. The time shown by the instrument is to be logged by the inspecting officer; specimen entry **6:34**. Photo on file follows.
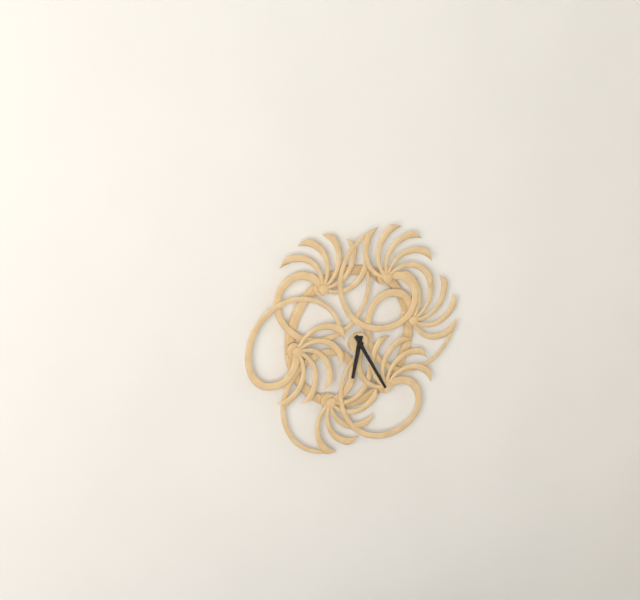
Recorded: **6:25**
